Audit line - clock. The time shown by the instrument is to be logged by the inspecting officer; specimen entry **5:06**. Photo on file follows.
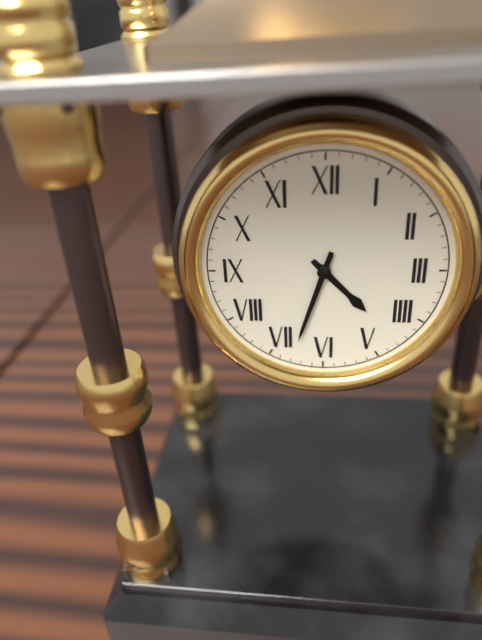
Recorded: **4:33**
